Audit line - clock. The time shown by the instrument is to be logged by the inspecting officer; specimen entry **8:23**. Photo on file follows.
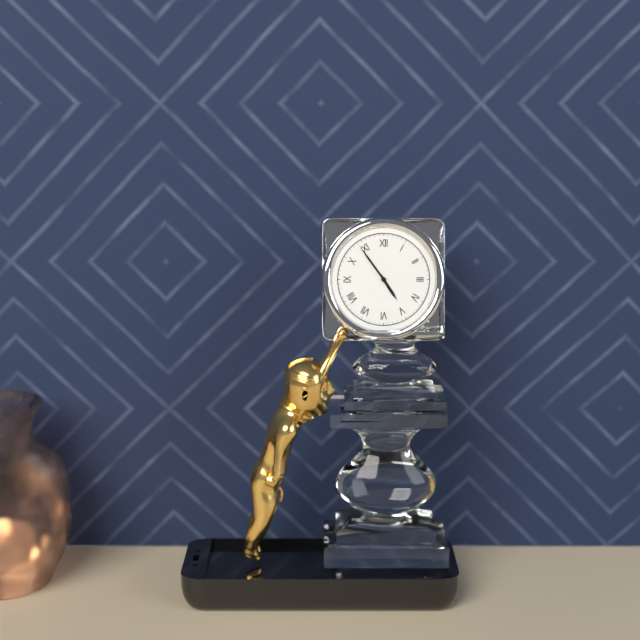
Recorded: **4:54**
